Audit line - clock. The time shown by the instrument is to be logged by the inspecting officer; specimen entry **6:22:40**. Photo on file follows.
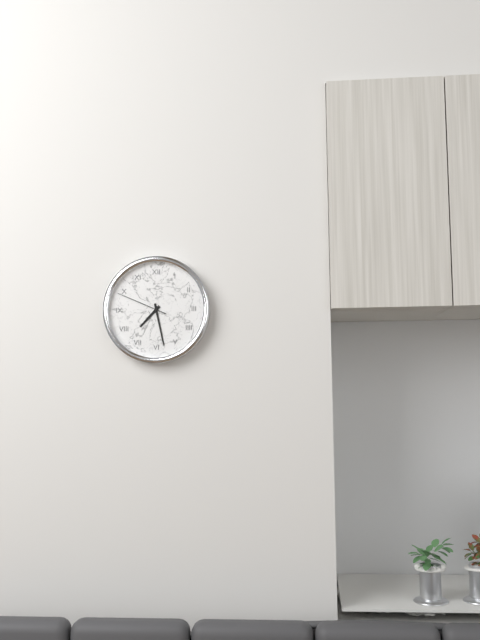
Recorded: **7:28:49**
